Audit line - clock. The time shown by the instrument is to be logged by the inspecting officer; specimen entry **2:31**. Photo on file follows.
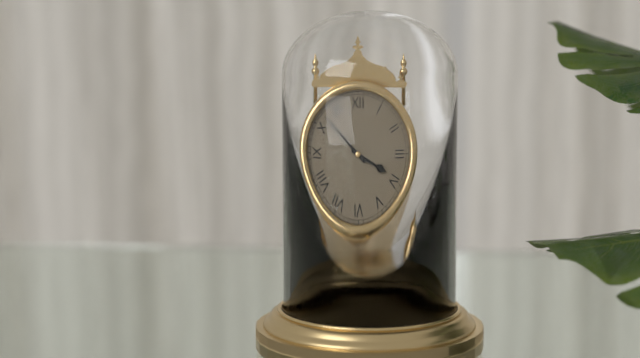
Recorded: **3:52**
